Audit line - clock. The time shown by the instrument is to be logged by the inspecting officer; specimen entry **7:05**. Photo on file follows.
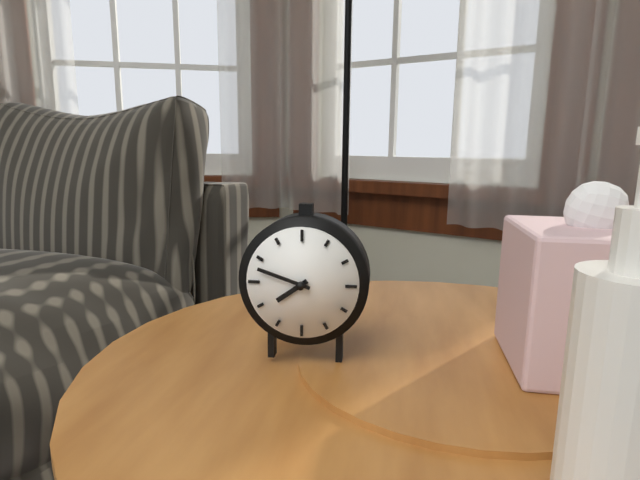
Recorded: **7:48**
